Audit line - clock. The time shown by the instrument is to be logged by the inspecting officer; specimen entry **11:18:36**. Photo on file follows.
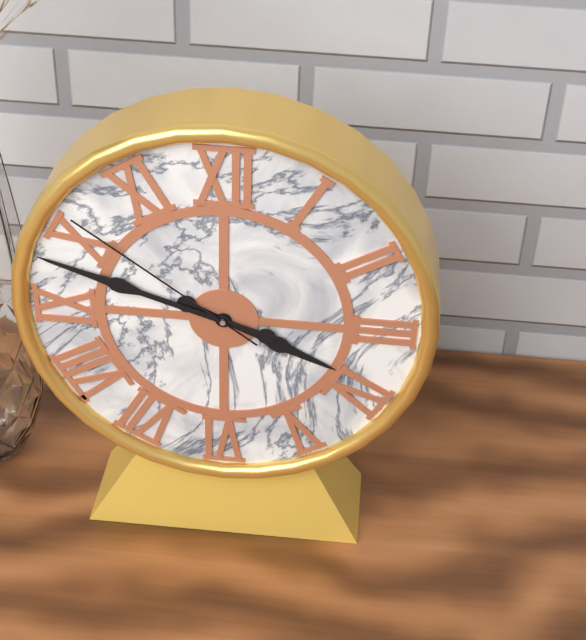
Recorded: **3:48:51**
